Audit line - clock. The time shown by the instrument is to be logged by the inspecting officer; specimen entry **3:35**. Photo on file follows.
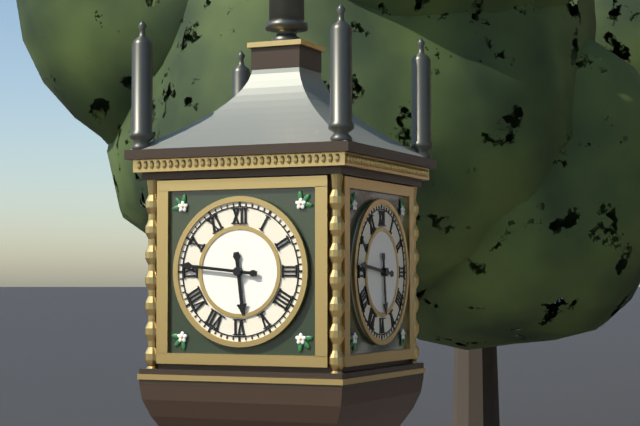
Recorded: **5:46**
